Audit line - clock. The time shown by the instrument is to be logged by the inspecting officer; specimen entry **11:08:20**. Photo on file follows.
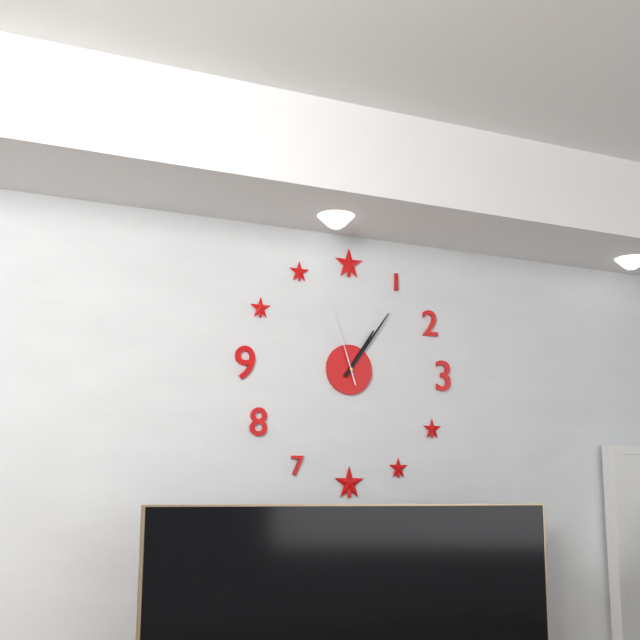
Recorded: **1:06:57**
